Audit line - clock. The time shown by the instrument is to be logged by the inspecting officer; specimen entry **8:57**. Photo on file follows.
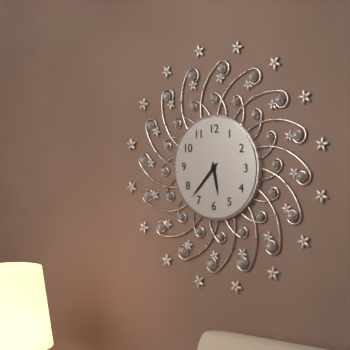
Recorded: **5:37**
